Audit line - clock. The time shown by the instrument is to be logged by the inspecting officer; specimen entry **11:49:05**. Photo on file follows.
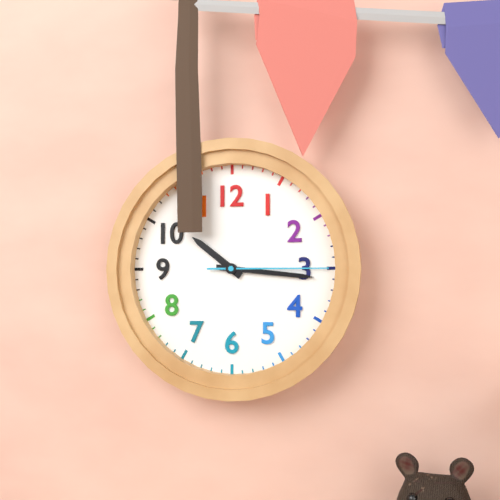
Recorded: **10:16:15**
